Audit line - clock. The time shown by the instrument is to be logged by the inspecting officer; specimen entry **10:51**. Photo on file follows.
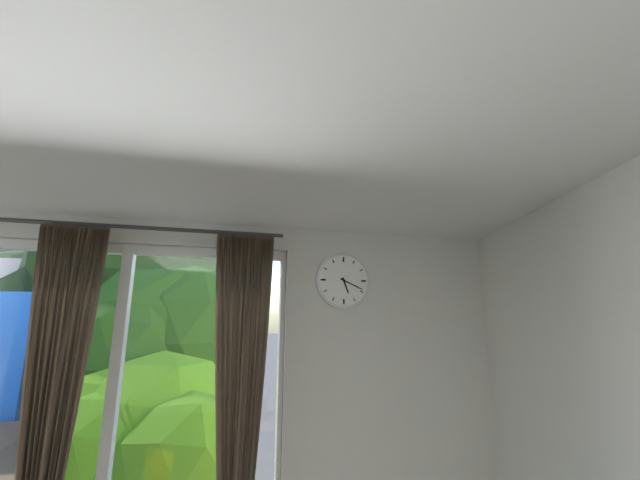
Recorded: **5:19**
